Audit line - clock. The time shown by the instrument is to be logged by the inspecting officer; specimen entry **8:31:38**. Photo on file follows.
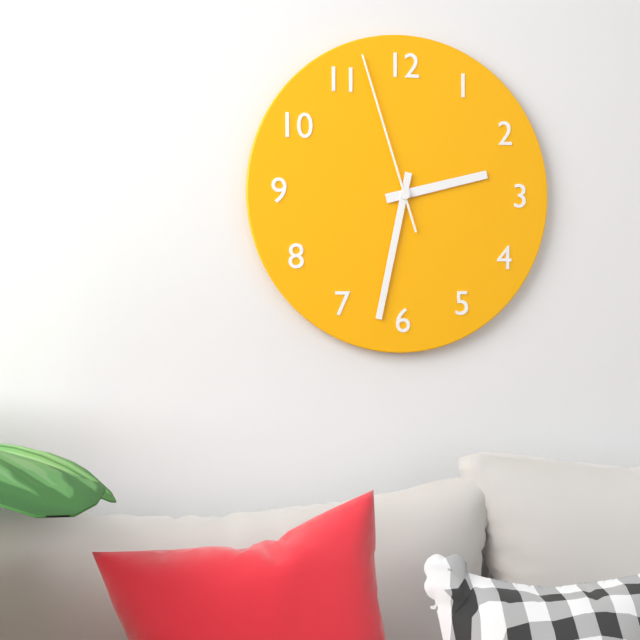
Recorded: **2:32:57**
